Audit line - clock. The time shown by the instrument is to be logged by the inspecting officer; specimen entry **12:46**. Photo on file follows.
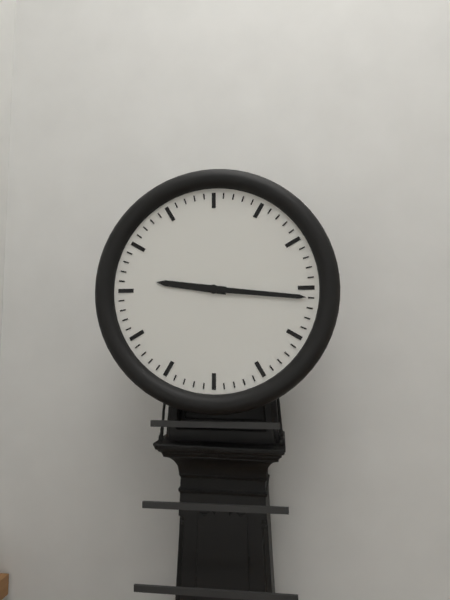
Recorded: **9:16**
